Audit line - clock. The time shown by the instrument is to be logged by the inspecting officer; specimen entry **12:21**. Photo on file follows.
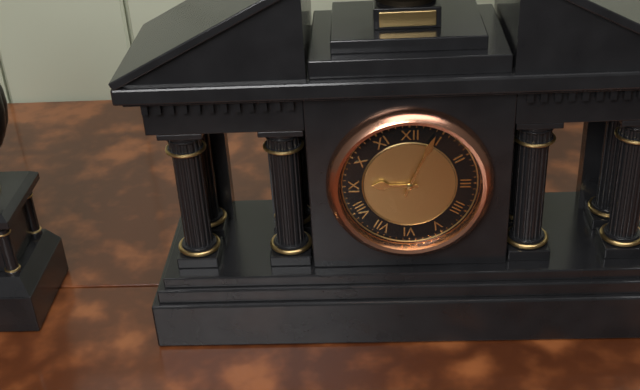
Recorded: **9:04**
